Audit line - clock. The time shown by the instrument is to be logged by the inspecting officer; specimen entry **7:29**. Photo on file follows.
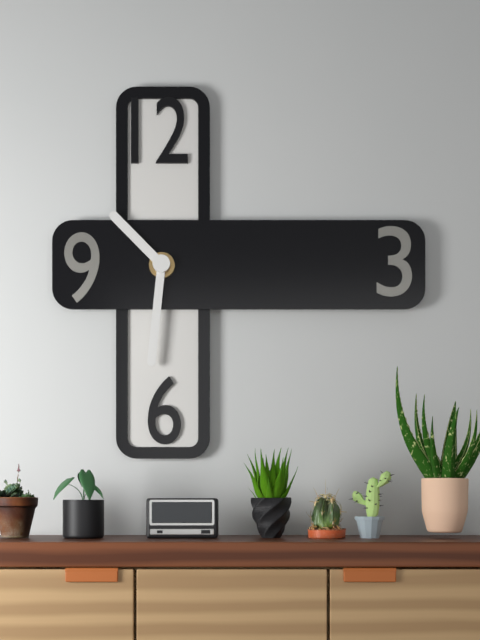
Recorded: **10:31**
